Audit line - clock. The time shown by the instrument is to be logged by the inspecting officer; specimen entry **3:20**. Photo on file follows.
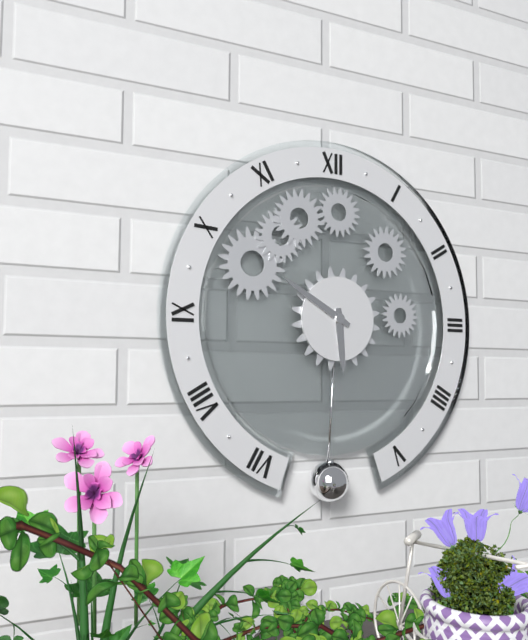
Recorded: **5:50**
